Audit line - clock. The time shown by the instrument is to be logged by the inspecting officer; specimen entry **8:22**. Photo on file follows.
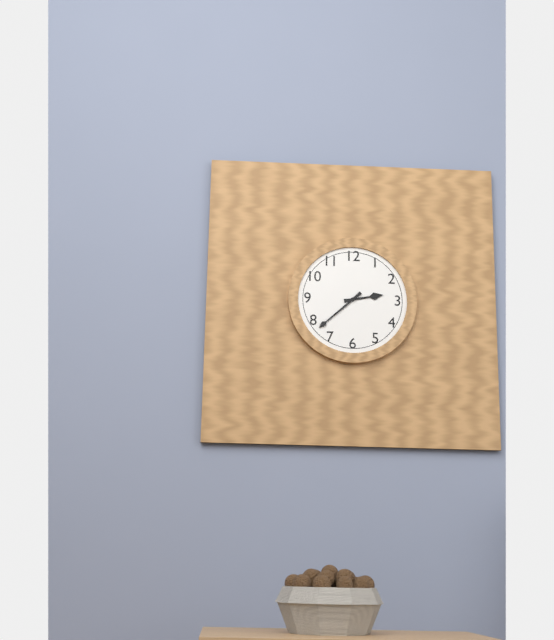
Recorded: **2:38**
